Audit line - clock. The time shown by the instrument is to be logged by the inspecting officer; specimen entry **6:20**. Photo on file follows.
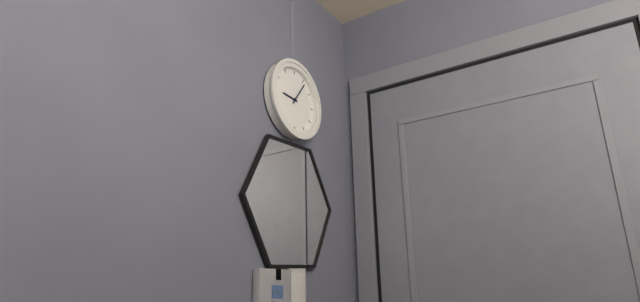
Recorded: **9:06**
